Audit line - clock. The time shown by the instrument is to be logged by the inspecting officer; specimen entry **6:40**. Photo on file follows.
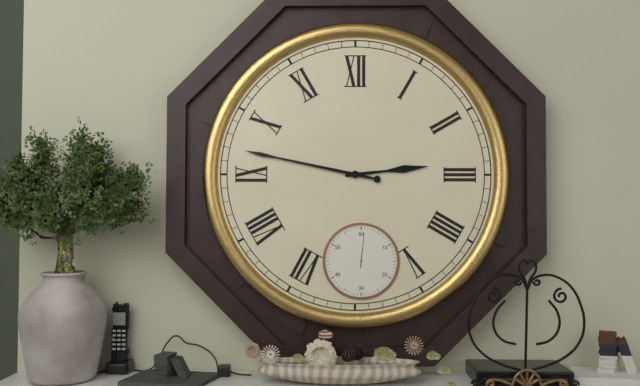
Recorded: **2:47**
